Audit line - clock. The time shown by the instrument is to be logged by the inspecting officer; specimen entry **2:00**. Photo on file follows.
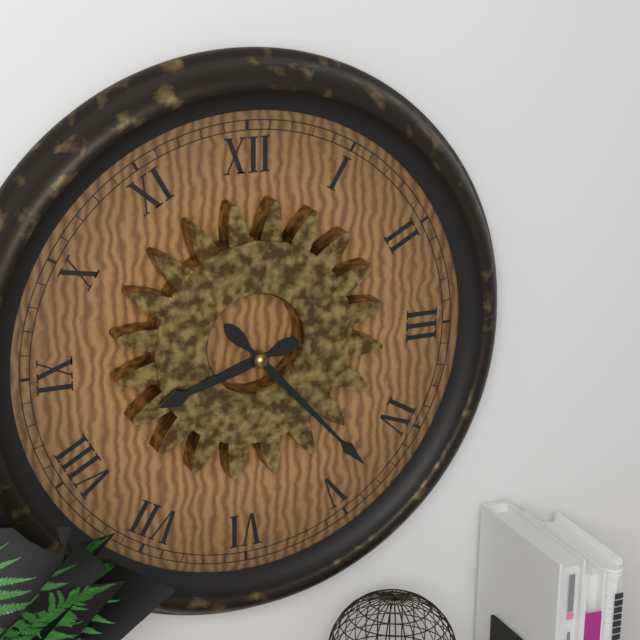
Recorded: **8:23**
